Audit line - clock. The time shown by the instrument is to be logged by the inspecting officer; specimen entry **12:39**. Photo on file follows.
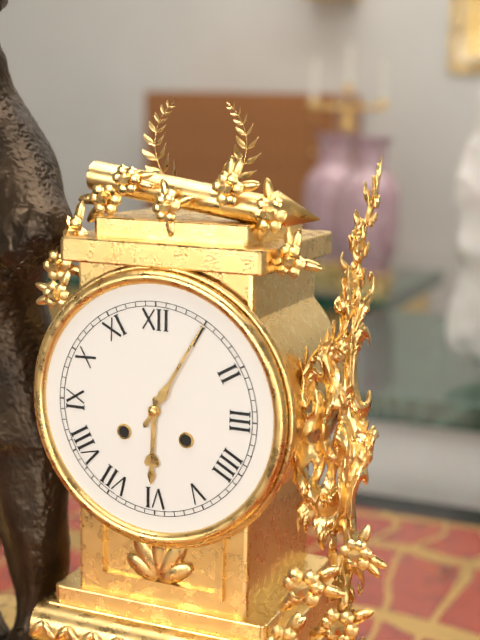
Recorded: **6:05**
